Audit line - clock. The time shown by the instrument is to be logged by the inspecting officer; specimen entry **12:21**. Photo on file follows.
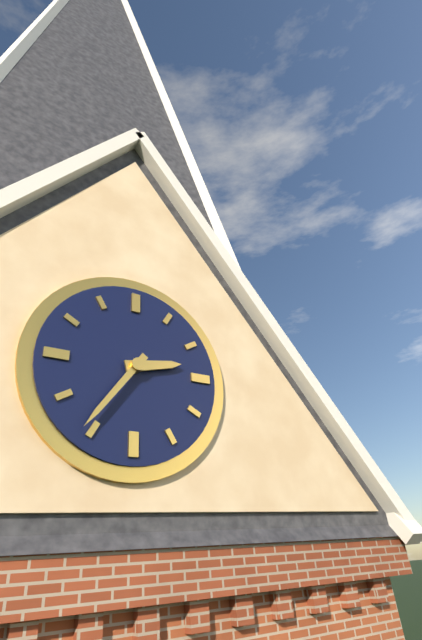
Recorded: **2:36**
